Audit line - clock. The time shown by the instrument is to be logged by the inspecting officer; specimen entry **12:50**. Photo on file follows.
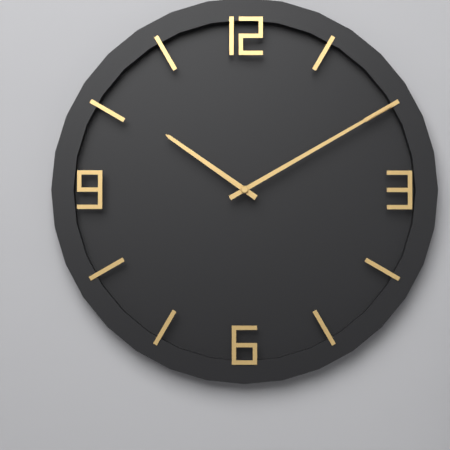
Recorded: **10:10**
